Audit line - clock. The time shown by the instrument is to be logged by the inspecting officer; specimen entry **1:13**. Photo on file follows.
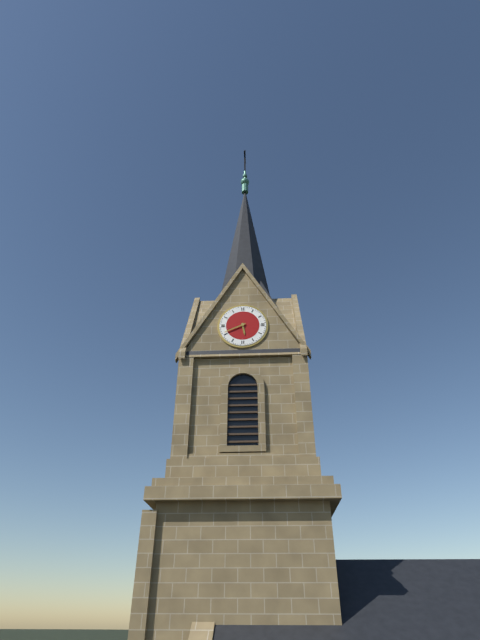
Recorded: **5:41**
